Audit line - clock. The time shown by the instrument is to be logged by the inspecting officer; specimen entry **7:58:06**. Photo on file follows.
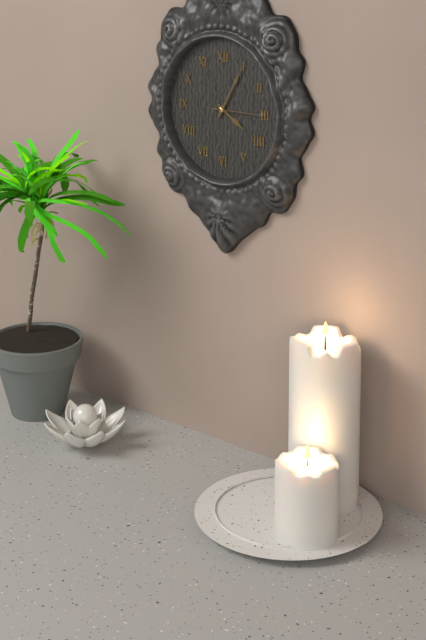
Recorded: **4:05:15**
